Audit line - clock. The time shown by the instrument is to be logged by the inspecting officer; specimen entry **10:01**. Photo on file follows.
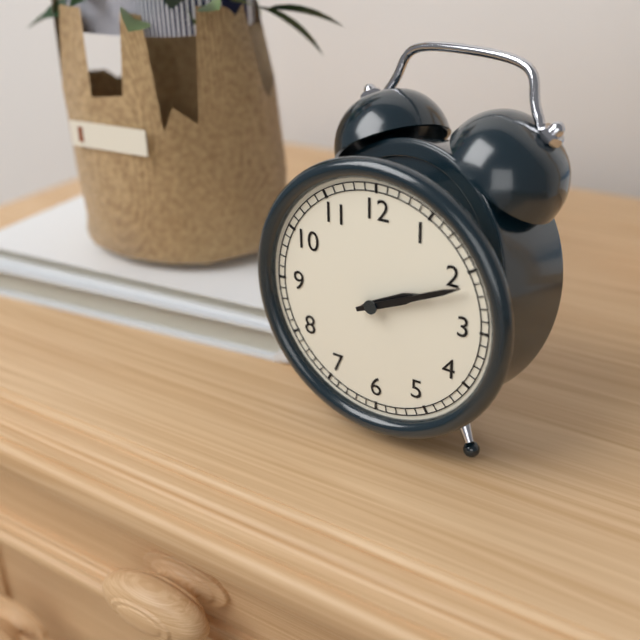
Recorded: **2:11**
